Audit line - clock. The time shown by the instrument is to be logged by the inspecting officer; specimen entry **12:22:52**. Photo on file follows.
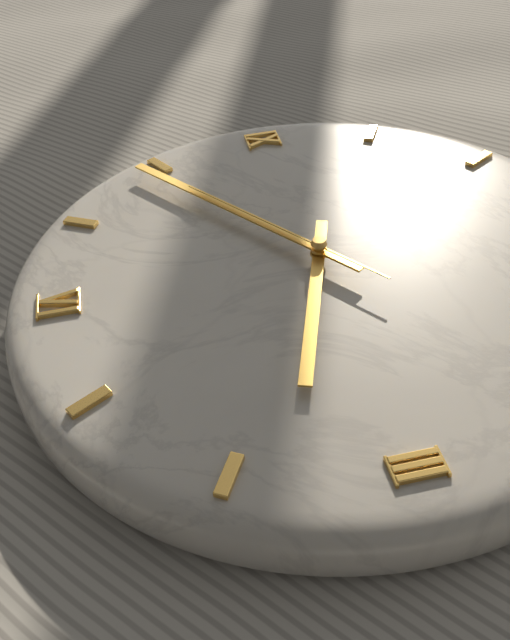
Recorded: **3:39:39**
